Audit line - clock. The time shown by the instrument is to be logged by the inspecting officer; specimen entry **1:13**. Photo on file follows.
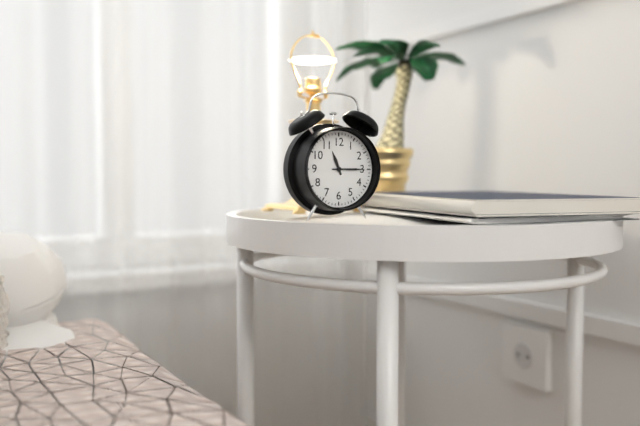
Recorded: **11:15**
